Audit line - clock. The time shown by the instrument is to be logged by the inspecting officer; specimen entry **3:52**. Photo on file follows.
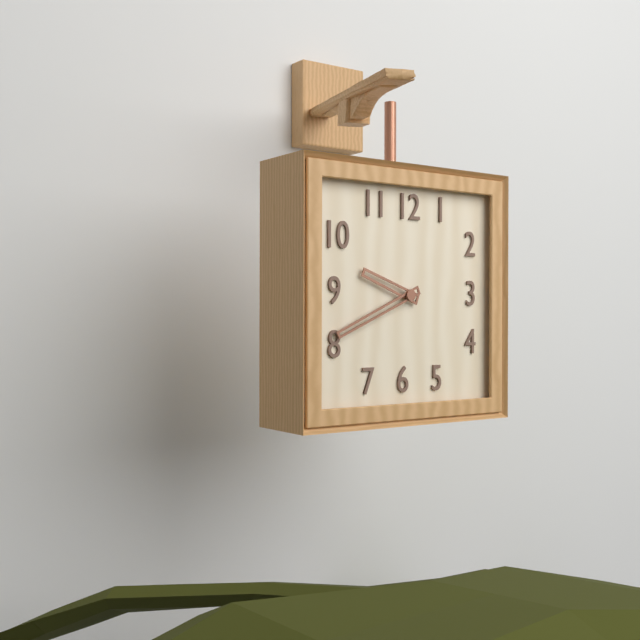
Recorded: **9:41**
